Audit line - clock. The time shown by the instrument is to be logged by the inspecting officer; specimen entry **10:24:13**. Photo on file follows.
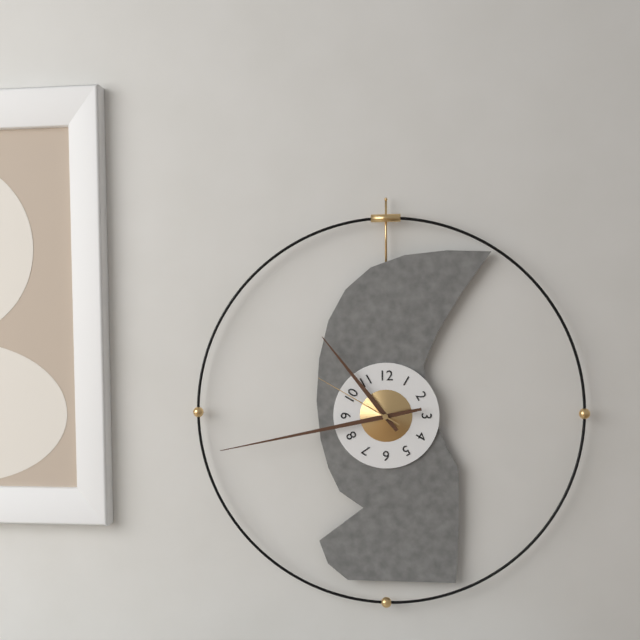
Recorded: **10:43:50**
